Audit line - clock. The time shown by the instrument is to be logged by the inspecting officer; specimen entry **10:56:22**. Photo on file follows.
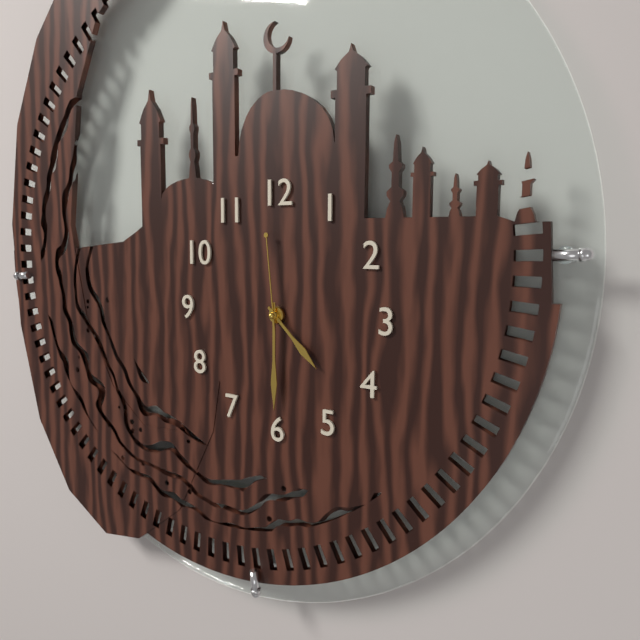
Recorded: **4:30:59**
